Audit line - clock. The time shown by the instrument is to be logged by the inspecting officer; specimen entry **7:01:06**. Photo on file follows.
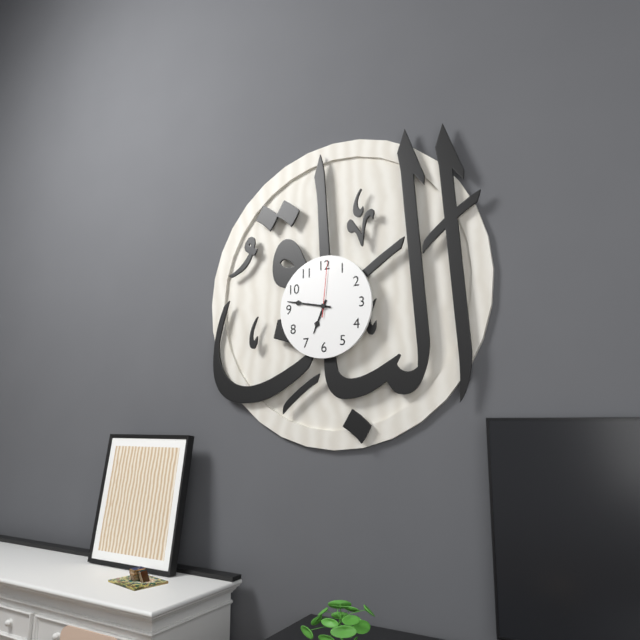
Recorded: **6:47:01**
